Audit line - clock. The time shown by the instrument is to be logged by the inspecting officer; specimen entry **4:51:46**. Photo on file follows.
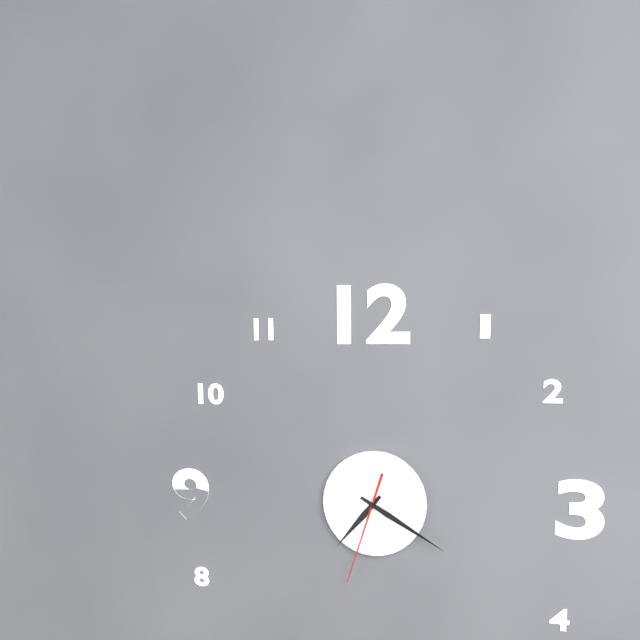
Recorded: **7:20:33**
